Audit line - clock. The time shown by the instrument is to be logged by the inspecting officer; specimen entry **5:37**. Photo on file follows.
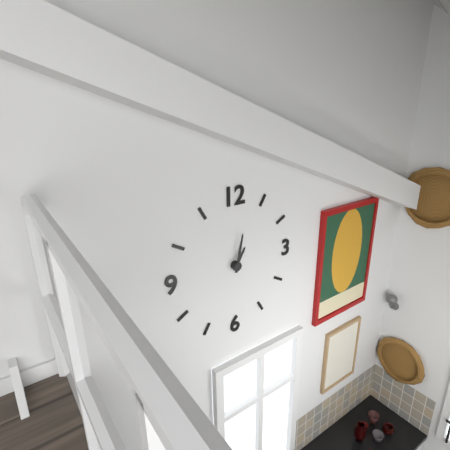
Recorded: **1:02**
